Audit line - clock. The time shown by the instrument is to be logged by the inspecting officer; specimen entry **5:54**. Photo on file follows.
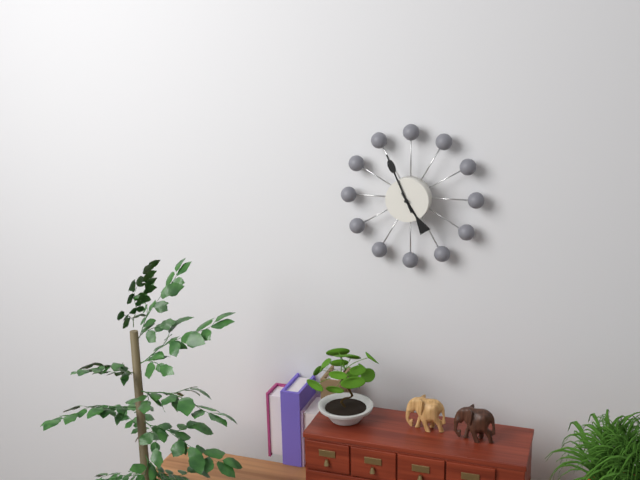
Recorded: **4:56**
